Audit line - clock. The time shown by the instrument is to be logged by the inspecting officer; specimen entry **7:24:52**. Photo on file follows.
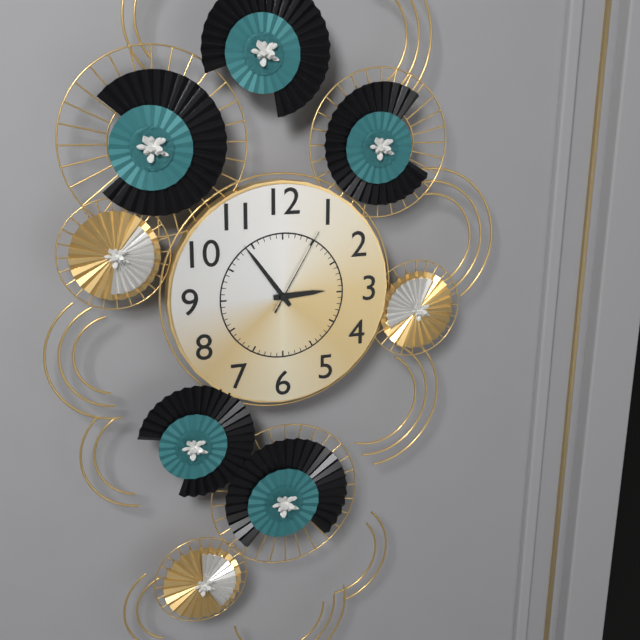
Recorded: **2:54:05**
